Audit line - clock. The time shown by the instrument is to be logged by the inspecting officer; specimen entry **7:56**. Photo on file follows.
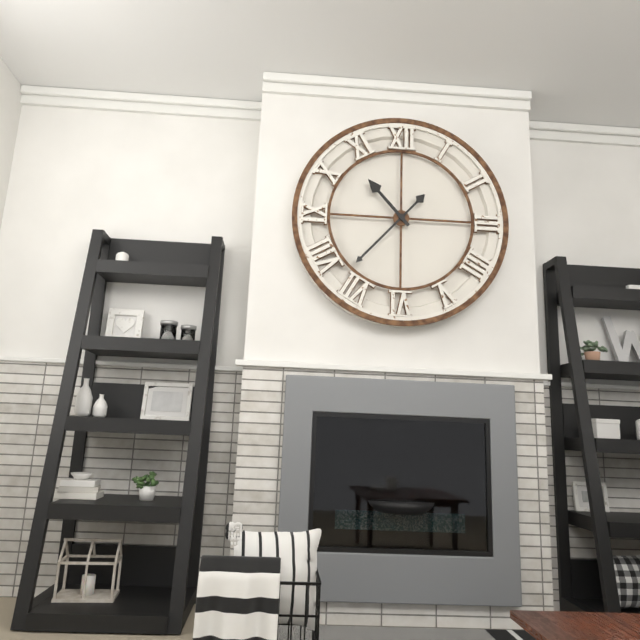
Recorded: **10:37**
